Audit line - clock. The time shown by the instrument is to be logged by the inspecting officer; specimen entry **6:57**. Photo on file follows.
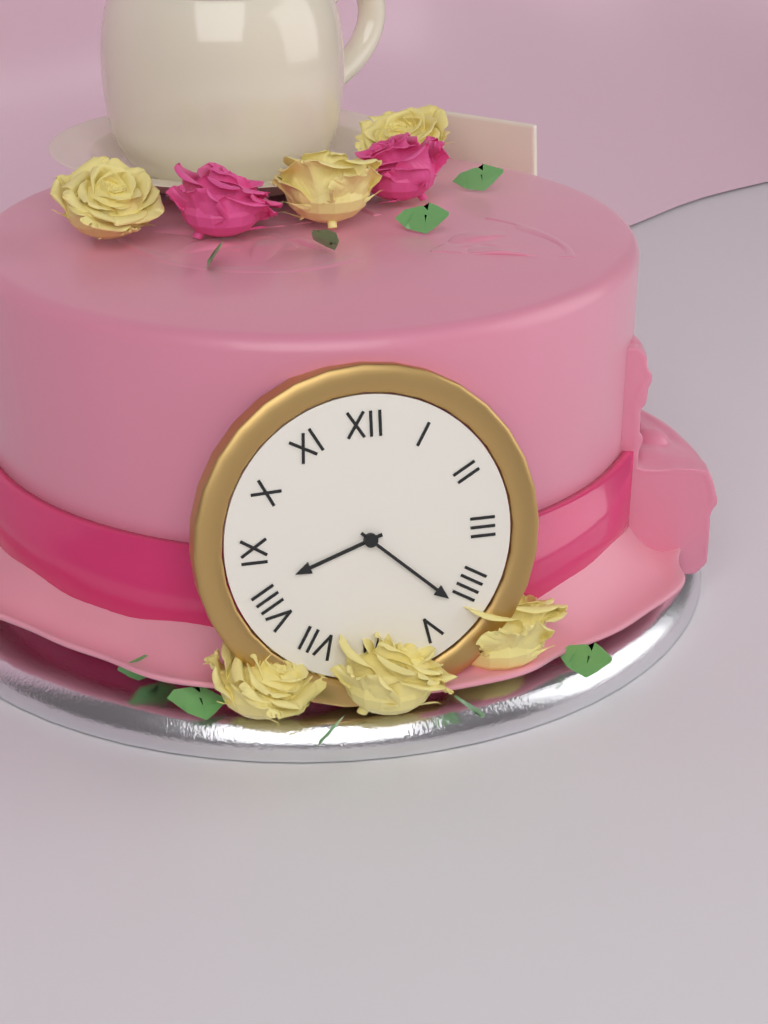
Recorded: **8:22**
